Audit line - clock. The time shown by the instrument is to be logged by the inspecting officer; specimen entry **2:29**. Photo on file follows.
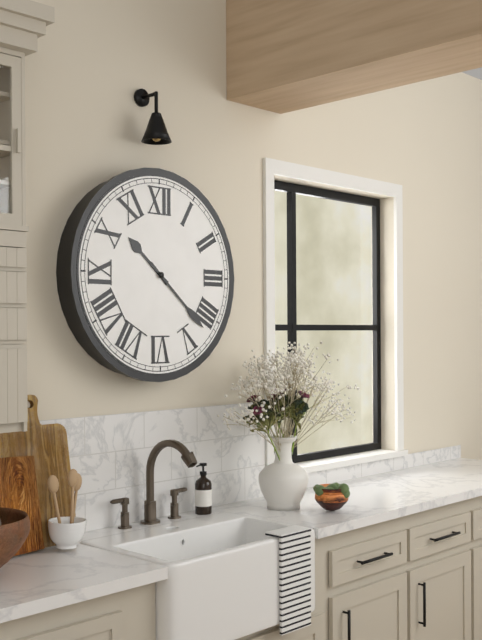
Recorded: **10:22**
